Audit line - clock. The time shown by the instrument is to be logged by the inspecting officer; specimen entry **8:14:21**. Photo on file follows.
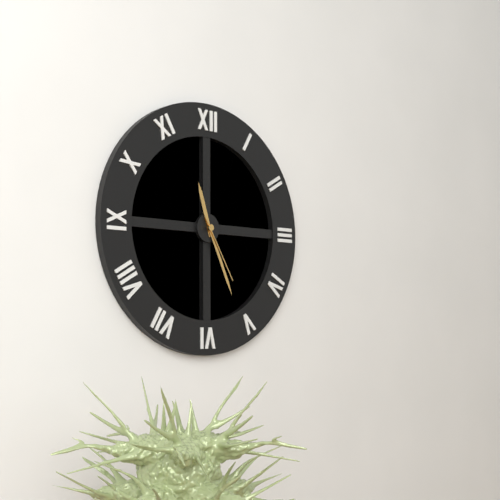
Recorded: **11:26:25**
